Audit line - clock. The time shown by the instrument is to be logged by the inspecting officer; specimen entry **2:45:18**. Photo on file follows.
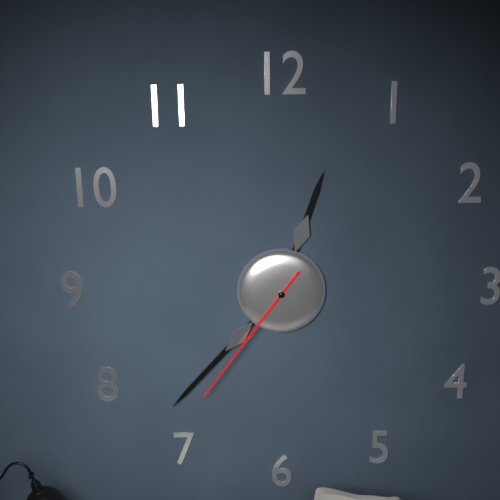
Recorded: **12:37:36**
